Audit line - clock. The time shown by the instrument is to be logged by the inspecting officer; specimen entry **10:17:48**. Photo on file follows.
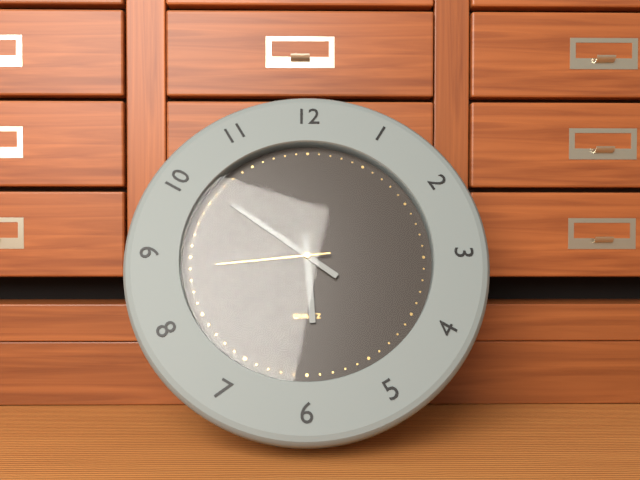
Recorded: **5:51:44**
